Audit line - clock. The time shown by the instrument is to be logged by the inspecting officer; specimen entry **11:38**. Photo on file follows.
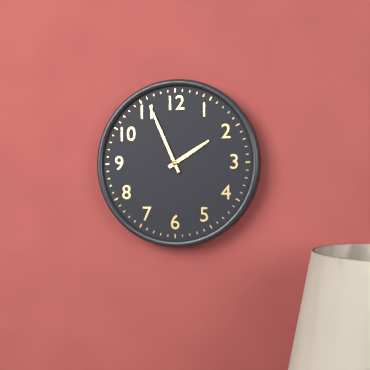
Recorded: **1:56**
